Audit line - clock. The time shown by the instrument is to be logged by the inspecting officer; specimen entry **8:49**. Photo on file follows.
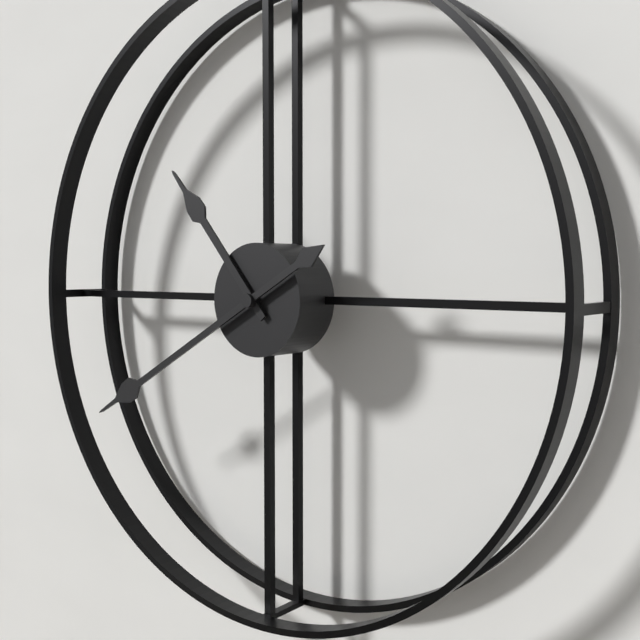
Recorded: **10:40**
